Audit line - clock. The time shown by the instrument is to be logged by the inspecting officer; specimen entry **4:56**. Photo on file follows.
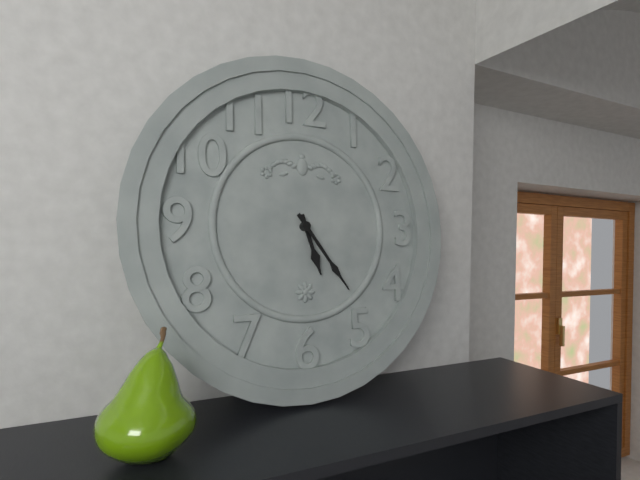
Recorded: **5:24**
